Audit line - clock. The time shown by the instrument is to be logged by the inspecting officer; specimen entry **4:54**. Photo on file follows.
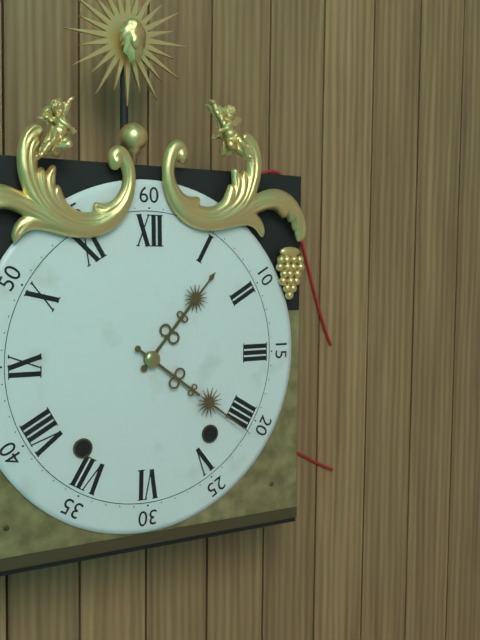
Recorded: **1:21**
